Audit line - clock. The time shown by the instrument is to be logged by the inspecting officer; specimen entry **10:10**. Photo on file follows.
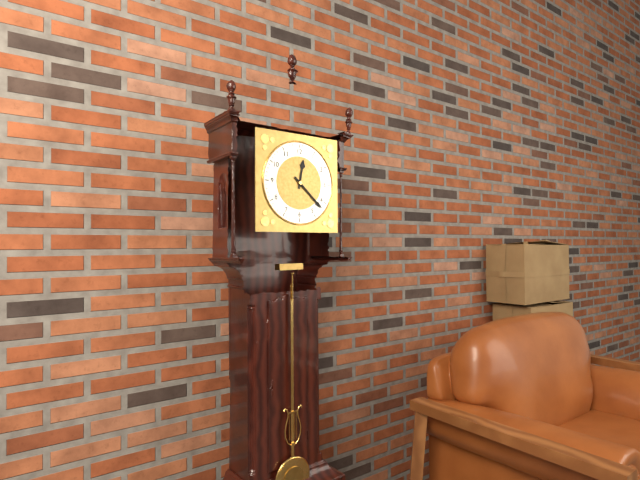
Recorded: **12:22**
